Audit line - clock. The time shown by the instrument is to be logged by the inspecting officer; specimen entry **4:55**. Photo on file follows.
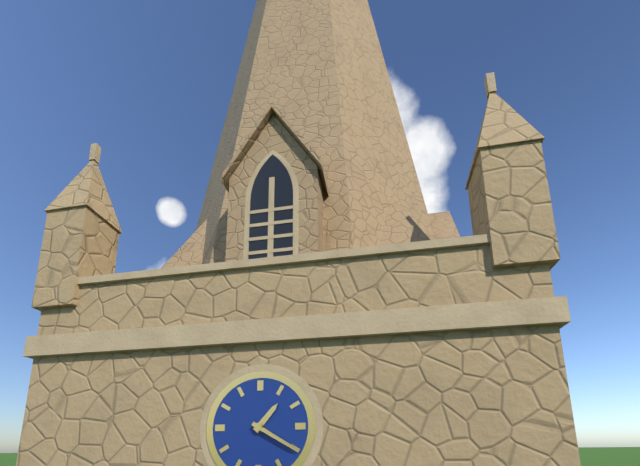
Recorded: **1:20**
